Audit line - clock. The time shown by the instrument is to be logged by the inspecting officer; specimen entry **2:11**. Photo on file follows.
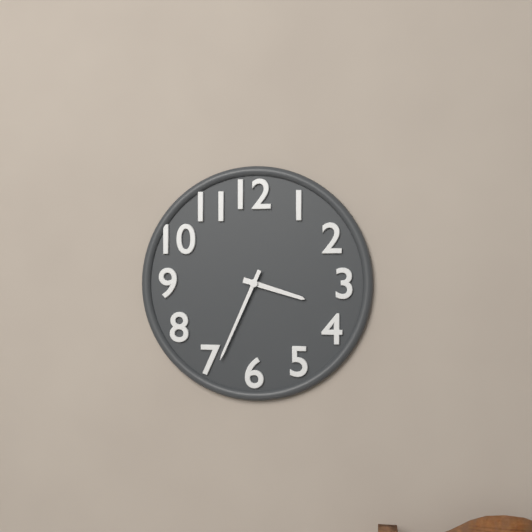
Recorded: **3:34**
